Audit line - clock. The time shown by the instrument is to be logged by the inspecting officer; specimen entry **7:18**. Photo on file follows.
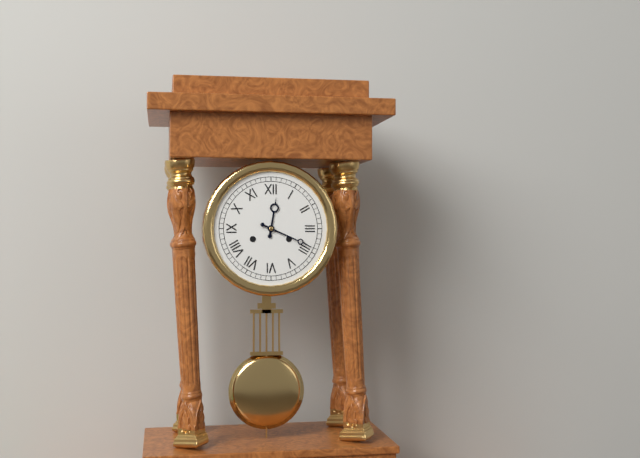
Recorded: **12:19**
